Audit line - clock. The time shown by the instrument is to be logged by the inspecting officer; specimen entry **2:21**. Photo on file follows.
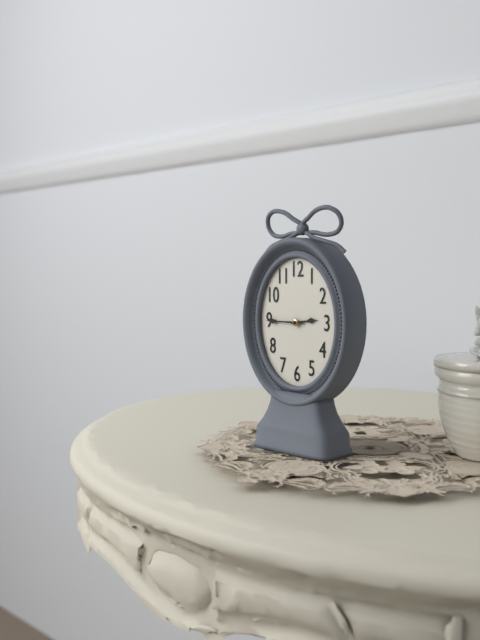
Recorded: **2:45**
